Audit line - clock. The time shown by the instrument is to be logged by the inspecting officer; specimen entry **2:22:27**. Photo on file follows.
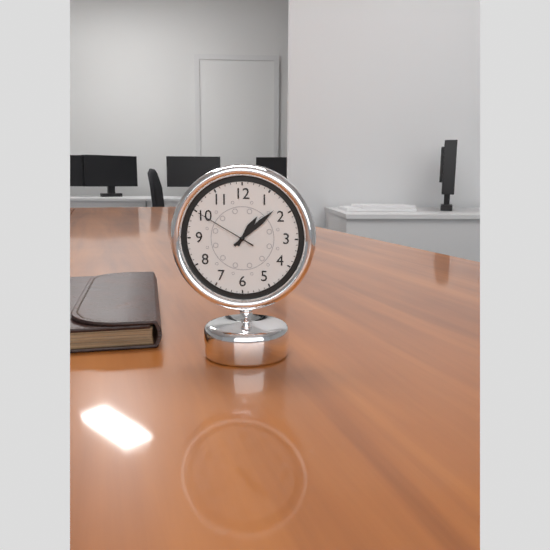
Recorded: **1:08:50**
